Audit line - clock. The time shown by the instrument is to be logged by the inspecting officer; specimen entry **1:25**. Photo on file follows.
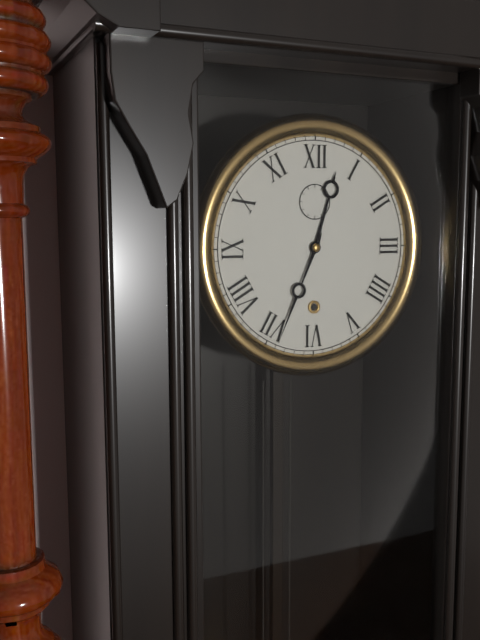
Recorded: **12:34**
